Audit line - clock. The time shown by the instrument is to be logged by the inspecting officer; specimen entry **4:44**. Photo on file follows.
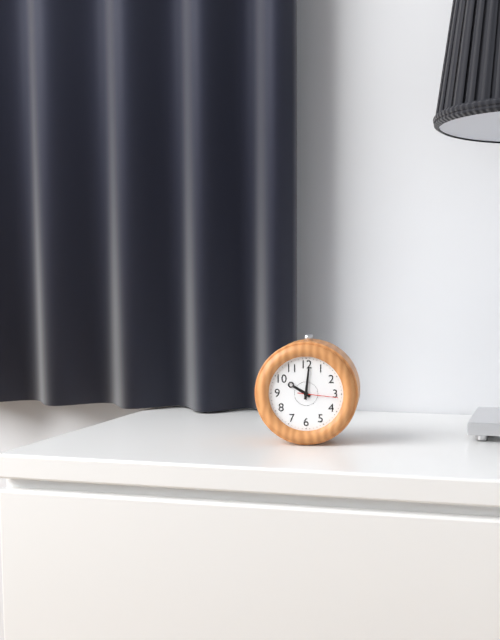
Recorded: **10:01**
